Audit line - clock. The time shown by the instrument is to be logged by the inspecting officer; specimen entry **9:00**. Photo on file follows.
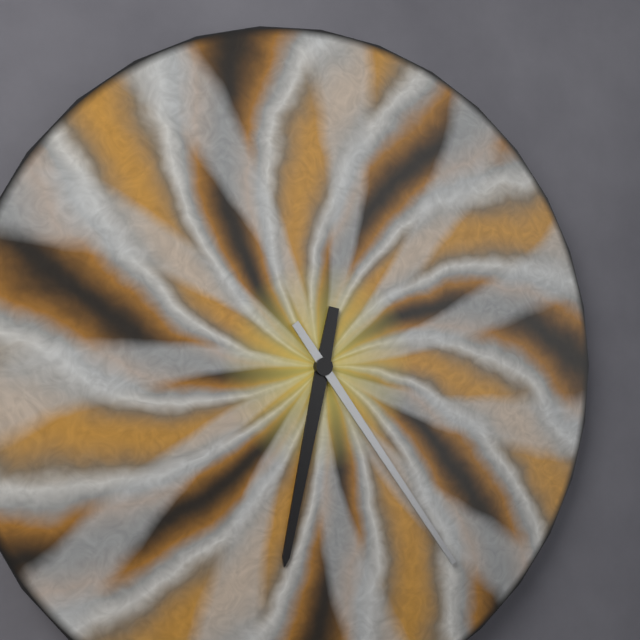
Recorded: **6:24**
